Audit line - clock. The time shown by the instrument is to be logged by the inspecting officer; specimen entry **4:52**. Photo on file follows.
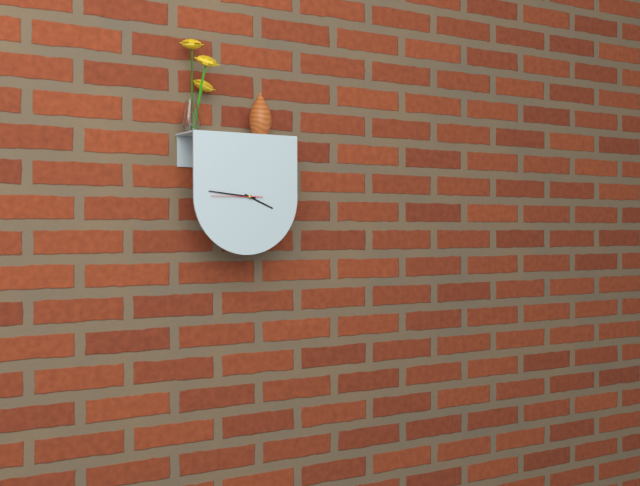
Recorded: **3:46**
